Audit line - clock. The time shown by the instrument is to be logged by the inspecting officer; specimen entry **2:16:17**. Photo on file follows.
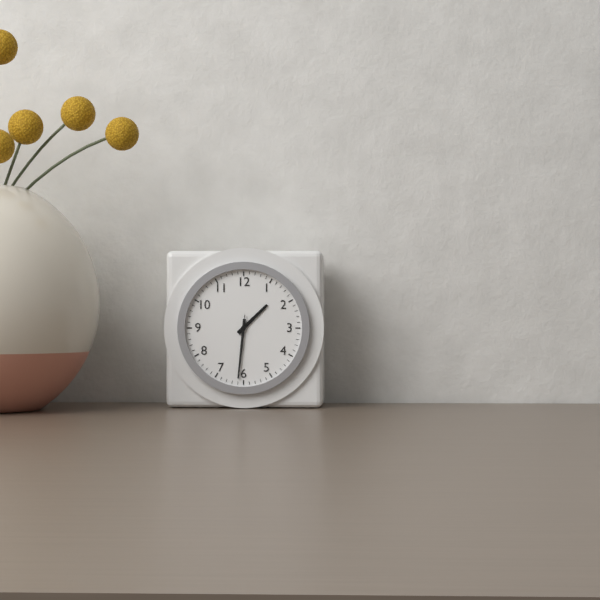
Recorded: **1:31:31**
